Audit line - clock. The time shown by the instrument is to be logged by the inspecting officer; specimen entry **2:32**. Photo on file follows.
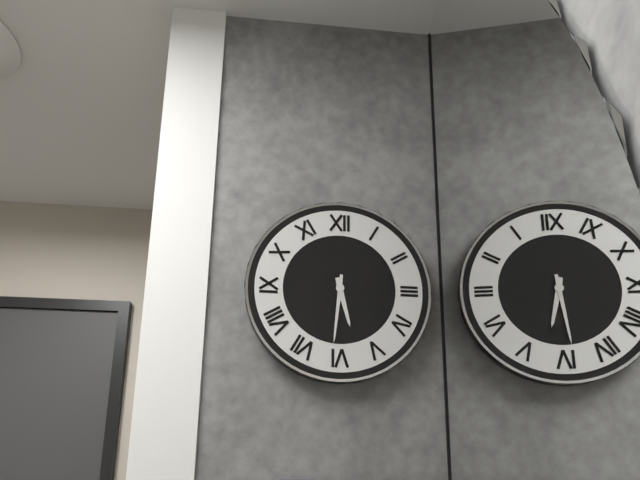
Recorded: **5:31**
